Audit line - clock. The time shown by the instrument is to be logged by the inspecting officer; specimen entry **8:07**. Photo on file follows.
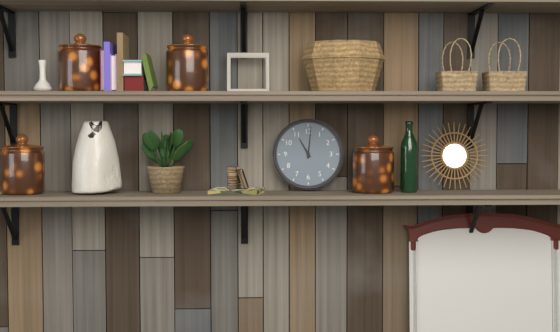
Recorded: **11:01**
